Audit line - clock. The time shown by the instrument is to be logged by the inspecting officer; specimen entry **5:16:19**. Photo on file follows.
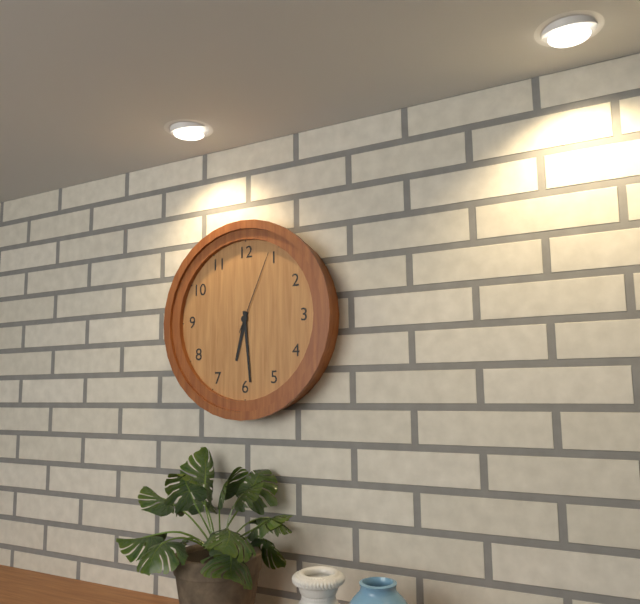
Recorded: **6:29:04**
